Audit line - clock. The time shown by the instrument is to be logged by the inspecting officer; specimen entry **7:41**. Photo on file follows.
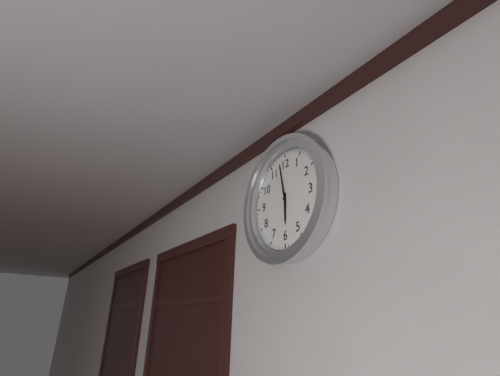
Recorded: **5:58**
